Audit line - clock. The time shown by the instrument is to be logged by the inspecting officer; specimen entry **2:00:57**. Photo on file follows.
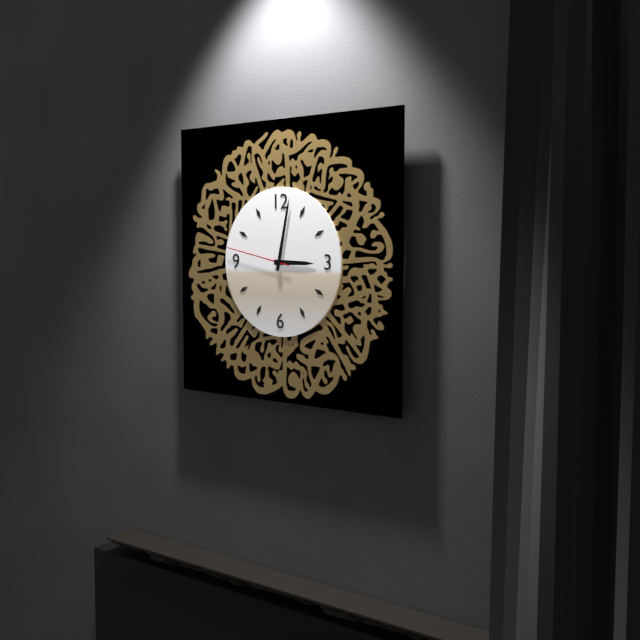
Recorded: **3:02:47**
